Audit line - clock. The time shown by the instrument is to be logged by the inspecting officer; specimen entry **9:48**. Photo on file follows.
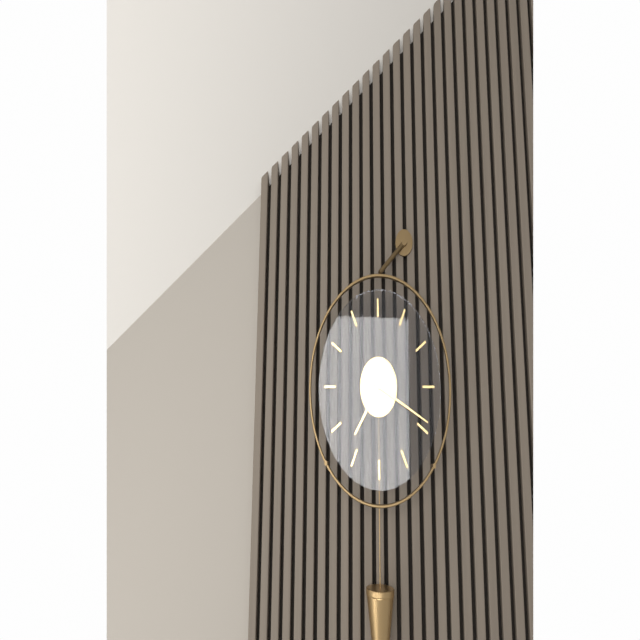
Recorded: **7:19**
